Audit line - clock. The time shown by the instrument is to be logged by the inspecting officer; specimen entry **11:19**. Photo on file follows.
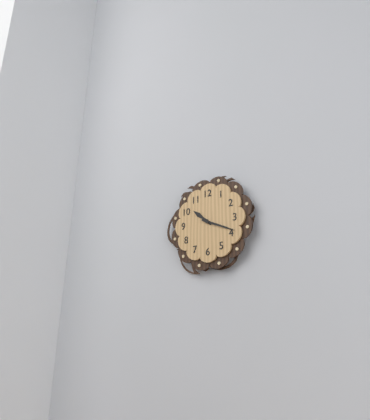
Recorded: **10:19**
